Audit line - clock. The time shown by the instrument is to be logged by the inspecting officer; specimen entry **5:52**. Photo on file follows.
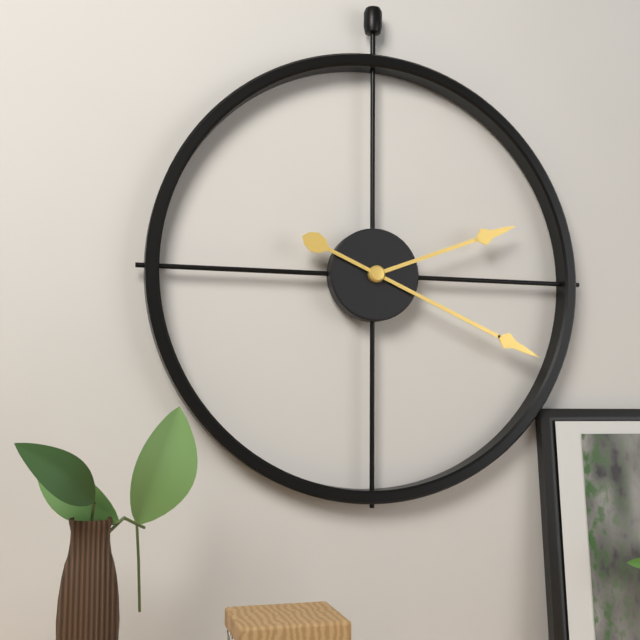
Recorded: **2:19**
